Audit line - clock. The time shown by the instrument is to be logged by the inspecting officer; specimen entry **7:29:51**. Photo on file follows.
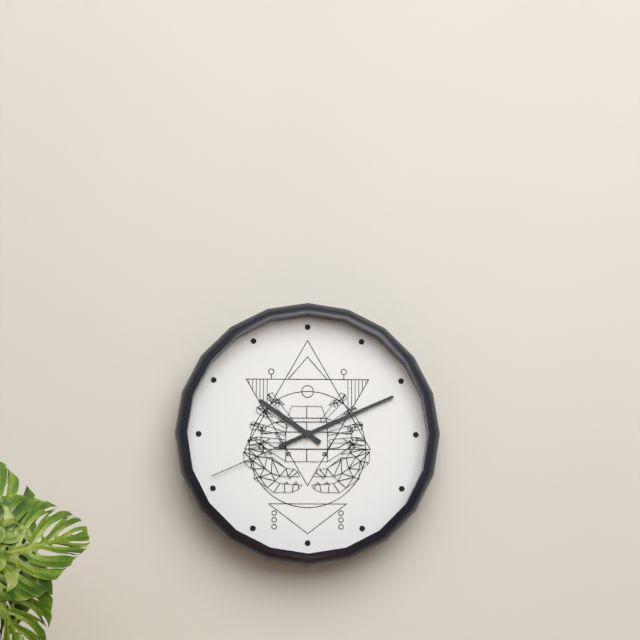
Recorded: **10:11:41**
